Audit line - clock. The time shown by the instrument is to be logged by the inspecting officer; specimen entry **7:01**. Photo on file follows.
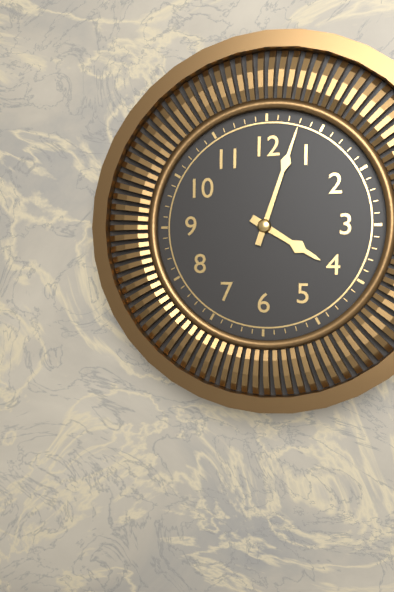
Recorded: **4:03**
